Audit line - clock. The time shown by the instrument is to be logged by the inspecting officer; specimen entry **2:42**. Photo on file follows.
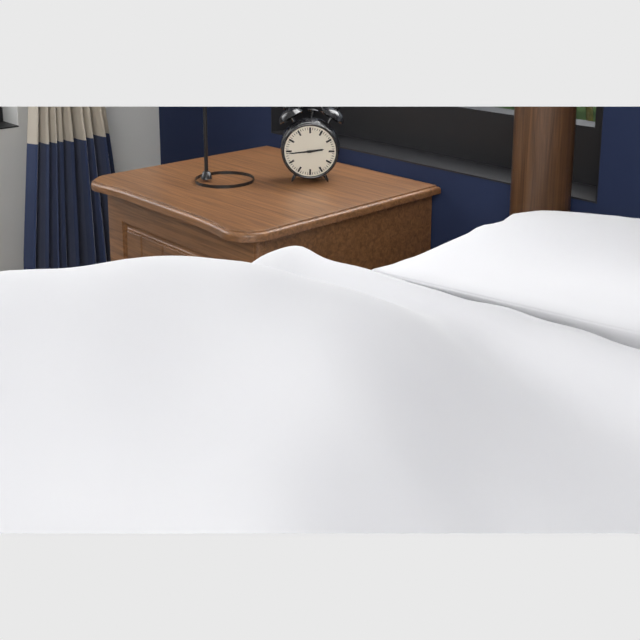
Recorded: **2:44**
